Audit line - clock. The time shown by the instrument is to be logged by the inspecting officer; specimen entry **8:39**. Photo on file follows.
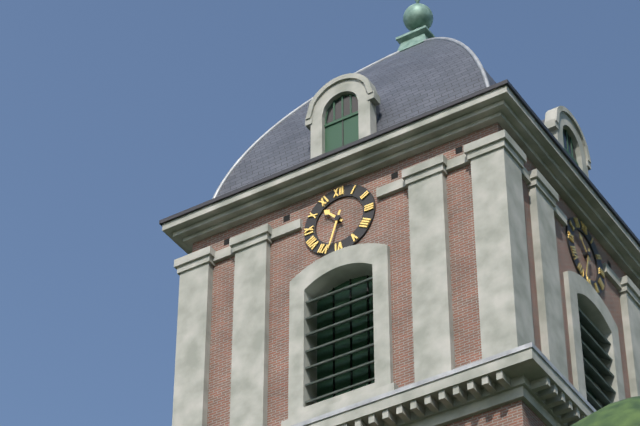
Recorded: **10:33**
